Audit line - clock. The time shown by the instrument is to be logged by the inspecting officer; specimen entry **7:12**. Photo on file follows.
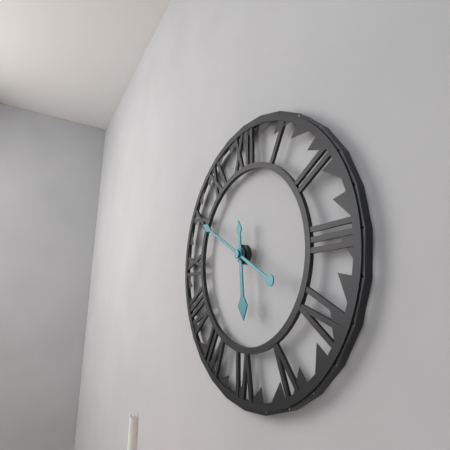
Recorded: **5:50**
